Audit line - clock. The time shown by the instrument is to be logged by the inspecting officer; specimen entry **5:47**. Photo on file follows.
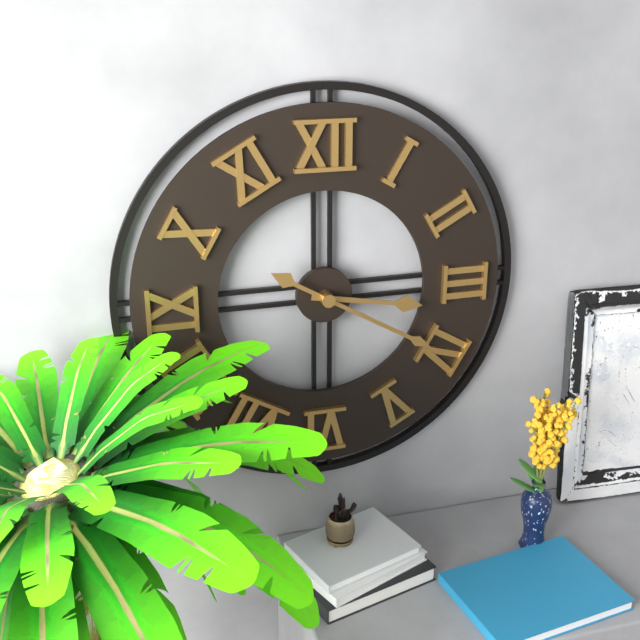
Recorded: **3:20**
